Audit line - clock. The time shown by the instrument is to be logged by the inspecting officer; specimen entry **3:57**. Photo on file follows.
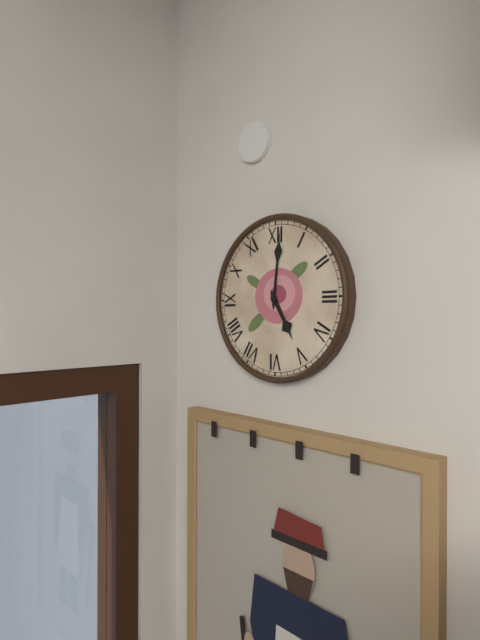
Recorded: **5:01**
